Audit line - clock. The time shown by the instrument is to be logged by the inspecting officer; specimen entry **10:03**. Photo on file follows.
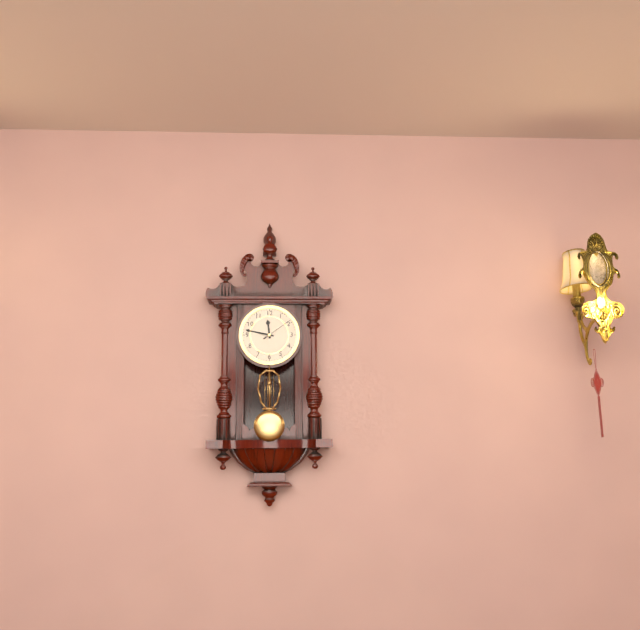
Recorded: **11:47**
